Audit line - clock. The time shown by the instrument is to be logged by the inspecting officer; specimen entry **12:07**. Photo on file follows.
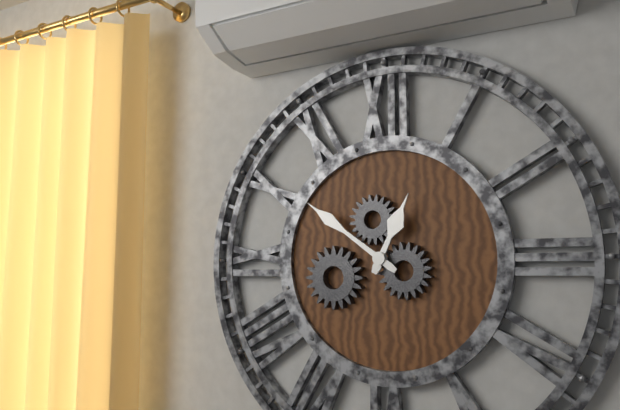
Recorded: **12:51**
